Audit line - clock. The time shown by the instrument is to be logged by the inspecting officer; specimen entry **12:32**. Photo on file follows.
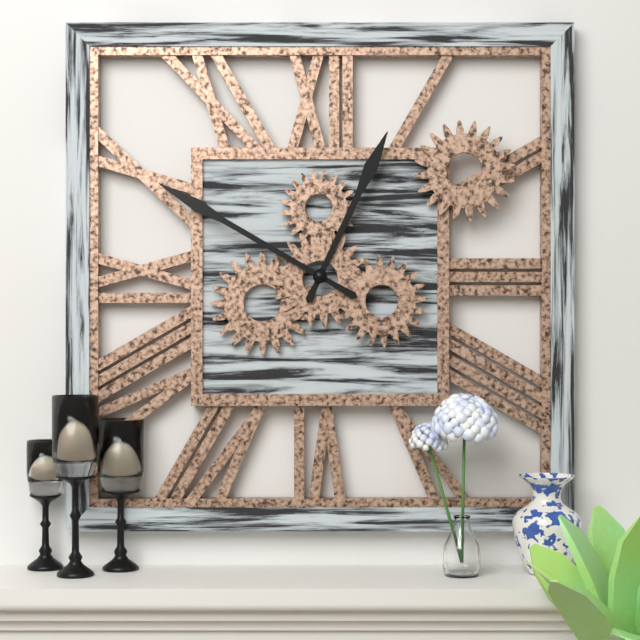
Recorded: **12:50**
